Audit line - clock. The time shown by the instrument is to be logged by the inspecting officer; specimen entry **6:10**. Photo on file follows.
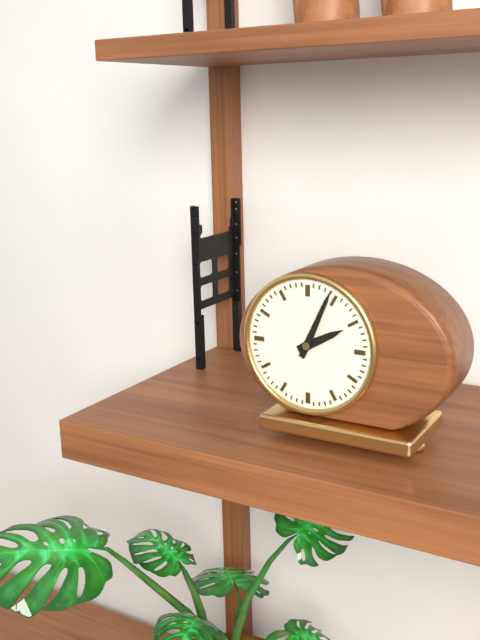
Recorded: **2:04**
